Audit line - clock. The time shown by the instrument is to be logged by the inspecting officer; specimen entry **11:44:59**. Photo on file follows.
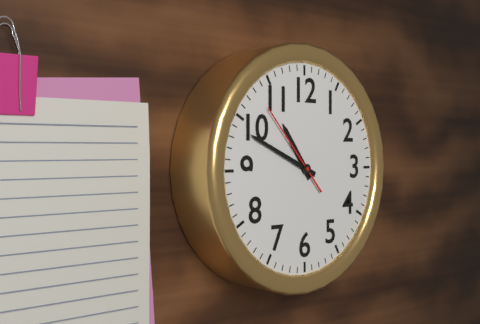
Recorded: **10:49:53**
